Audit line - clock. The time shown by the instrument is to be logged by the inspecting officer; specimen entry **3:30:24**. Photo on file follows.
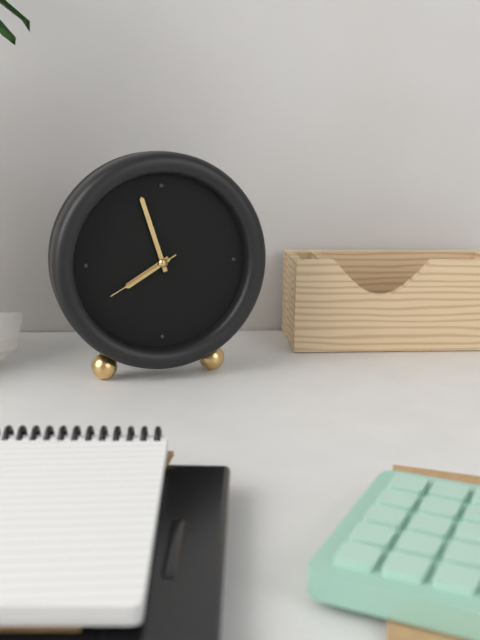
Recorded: **7:57:40**
